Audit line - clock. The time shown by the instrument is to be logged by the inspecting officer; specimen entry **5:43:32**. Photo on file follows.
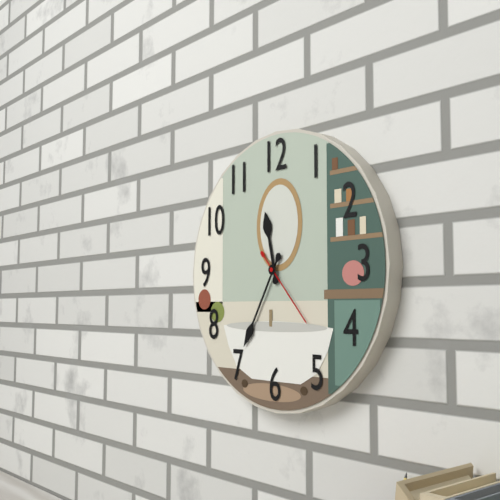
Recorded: **11:35:23**
